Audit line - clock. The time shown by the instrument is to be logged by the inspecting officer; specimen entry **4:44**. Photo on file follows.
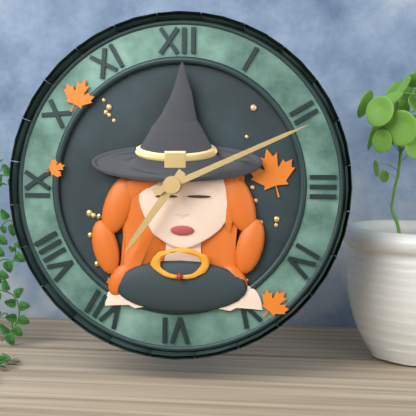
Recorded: **7:11**
